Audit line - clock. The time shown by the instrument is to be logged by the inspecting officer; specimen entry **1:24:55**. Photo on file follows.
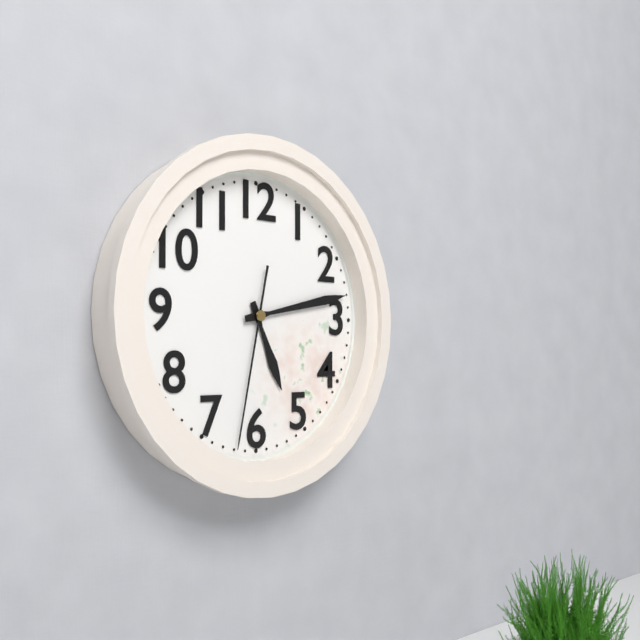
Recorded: **5:13:32**
